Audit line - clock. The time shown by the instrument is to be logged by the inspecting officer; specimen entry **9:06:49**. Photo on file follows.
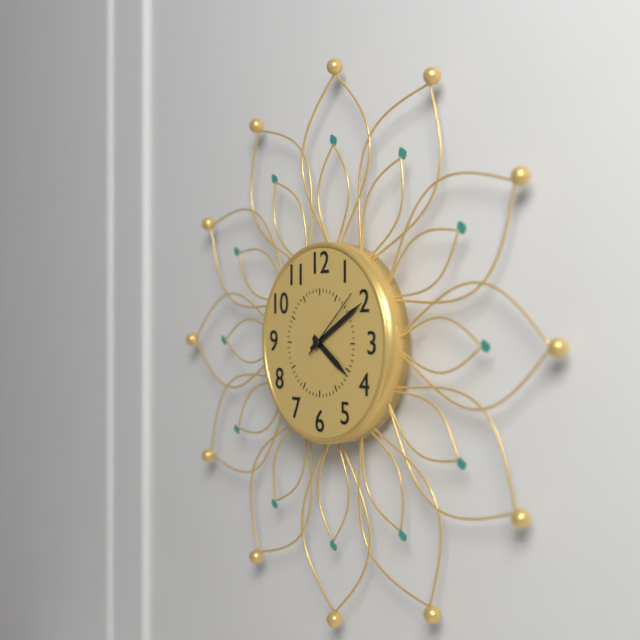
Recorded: **4:10:08**
